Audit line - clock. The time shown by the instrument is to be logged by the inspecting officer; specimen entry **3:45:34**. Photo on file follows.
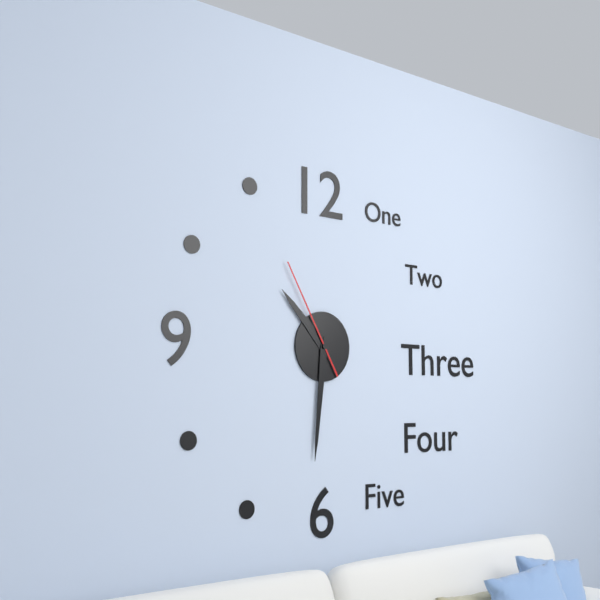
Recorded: **10:31:55**
